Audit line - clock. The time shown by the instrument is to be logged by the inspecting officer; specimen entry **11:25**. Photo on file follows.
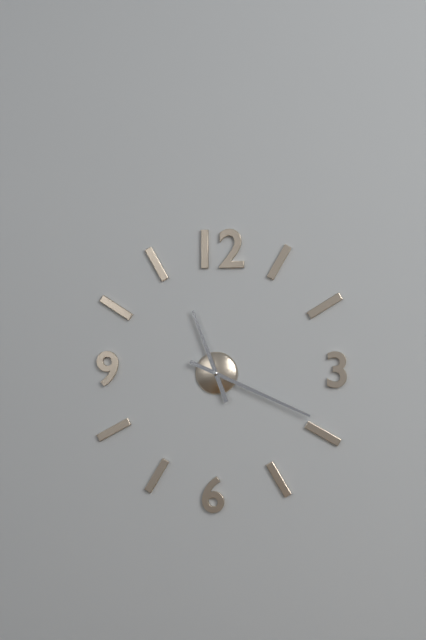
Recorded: **11:19**
